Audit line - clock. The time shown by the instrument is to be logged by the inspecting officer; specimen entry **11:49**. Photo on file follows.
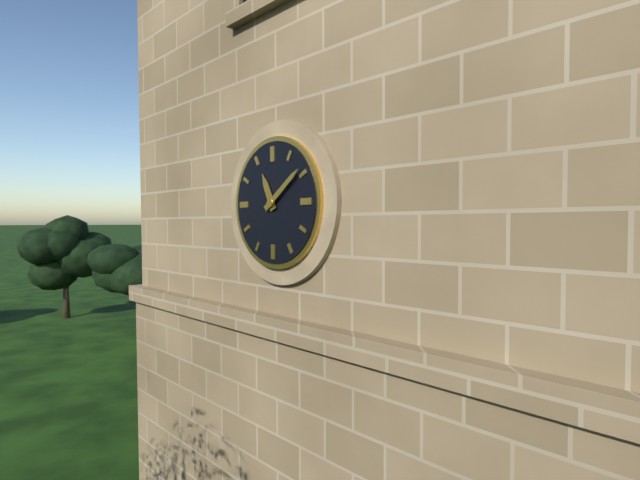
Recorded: **11:09**
